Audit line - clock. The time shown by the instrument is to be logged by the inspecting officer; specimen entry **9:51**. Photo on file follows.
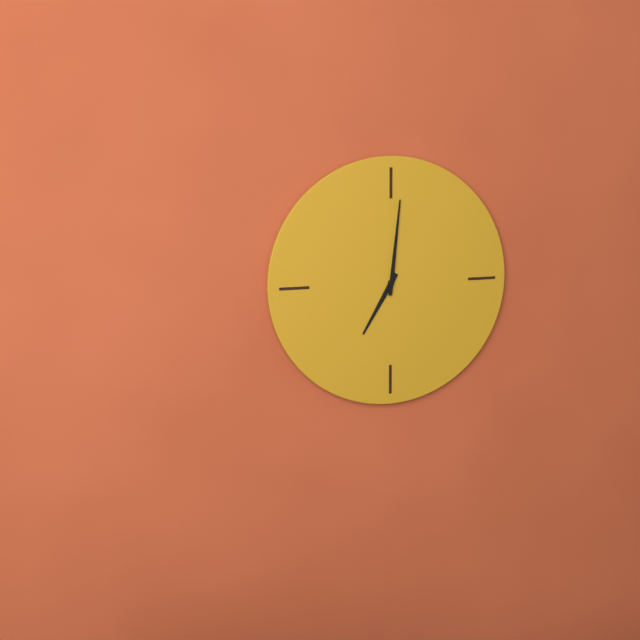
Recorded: **7:01**
